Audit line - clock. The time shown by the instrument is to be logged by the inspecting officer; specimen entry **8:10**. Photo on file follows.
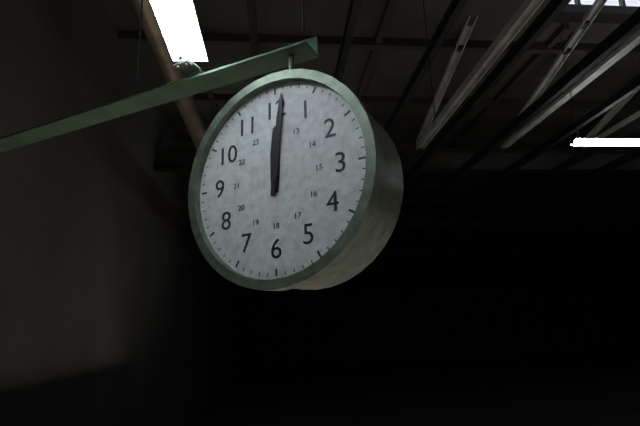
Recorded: **12:01**
